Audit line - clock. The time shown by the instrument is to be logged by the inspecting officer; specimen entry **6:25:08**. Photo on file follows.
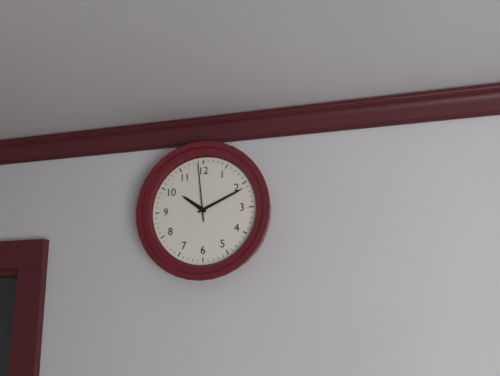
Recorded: **10:11:59**
